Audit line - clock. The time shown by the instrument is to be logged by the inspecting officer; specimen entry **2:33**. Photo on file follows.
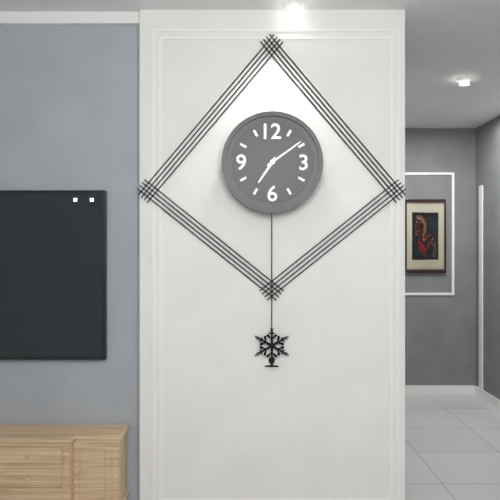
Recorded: **7:09**
